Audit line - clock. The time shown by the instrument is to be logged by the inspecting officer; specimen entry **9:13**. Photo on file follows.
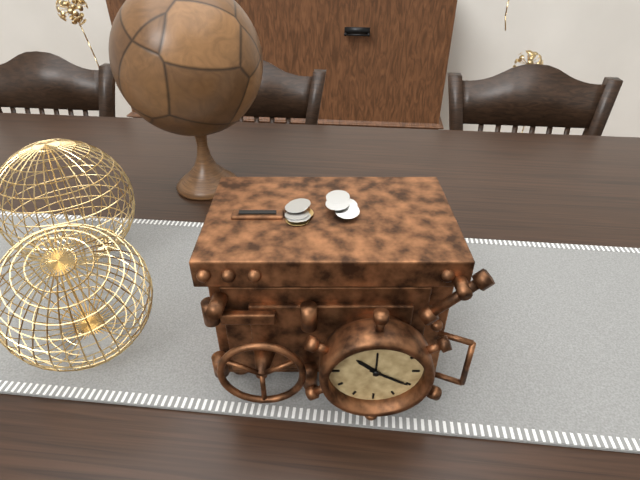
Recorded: **10:20**
